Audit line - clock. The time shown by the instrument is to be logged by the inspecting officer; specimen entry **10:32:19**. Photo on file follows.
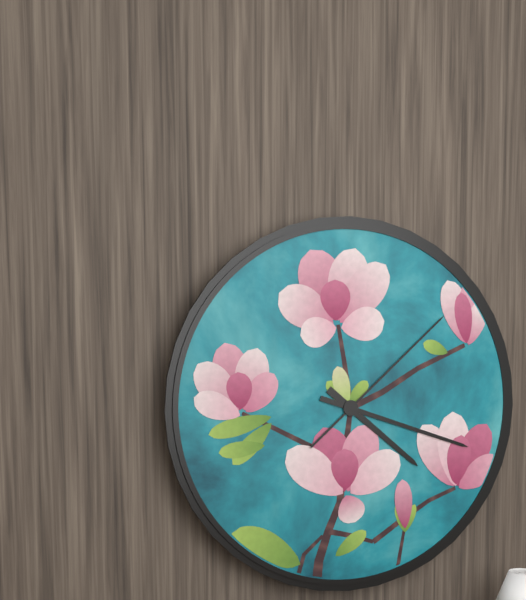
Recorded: **4:18:08**
